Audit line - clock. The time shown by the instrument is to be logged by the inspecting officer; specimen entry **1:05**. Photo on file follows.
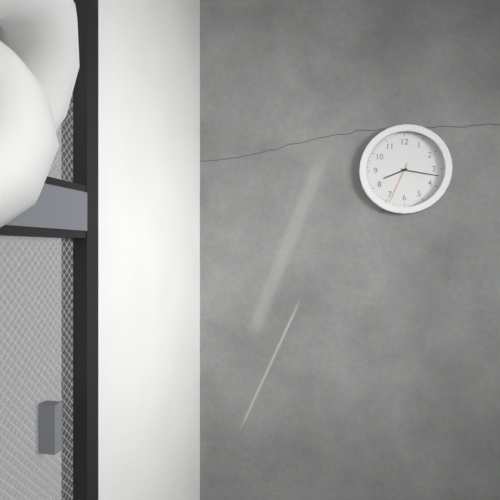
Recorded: **8:17**
